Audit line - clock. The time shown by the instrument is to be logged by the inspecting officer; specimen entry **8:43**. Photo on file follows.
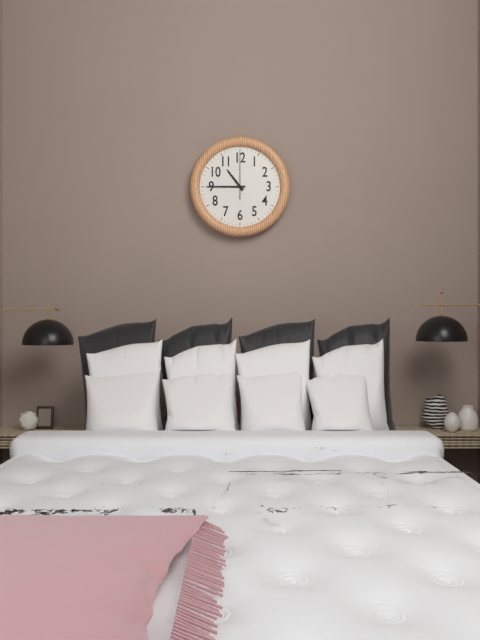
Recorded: **10:45**
